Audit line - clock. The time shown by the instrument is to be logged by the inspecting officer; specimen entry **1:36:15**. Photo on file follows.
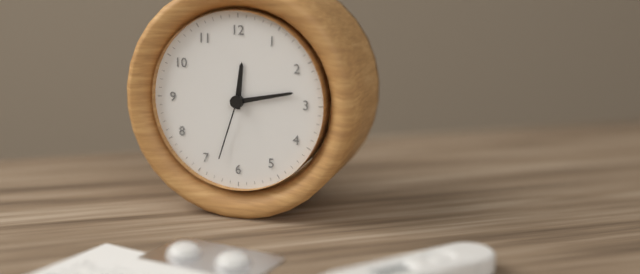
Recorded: **12:13:33**
